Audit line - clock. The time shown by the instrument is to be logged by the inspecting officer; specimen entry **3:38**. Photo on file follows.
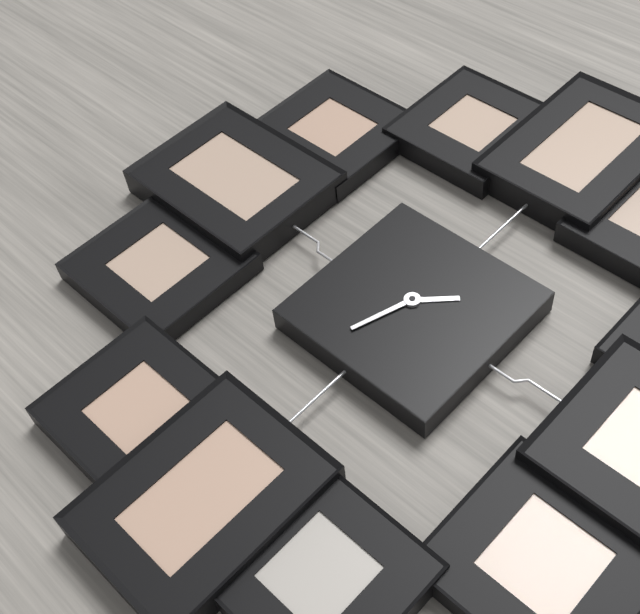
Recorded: **1:33**
